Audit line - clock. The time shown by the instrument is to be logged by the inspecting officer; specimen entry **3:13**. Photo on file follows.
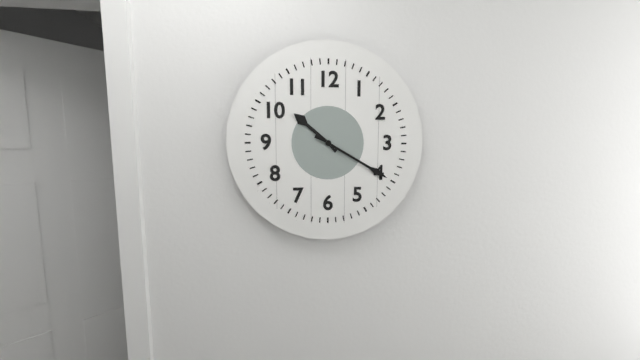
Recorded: **10:20**
